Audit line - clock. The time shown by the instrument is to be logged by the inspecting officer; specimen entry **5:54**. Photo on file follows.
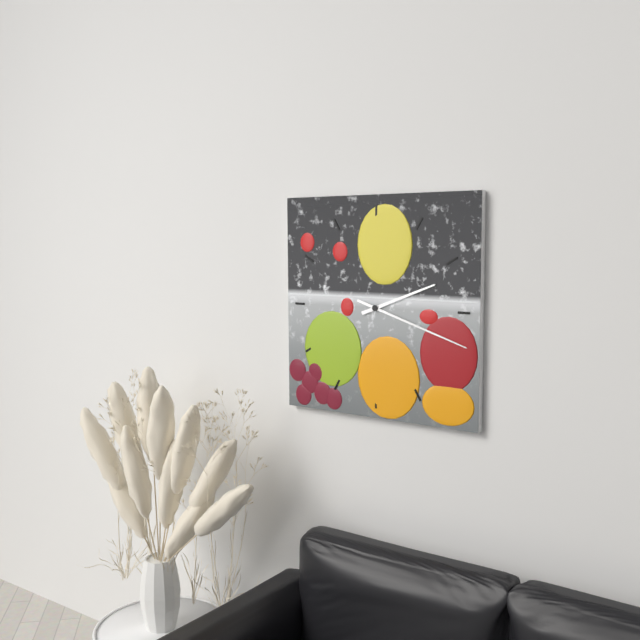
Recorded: **2:18**
